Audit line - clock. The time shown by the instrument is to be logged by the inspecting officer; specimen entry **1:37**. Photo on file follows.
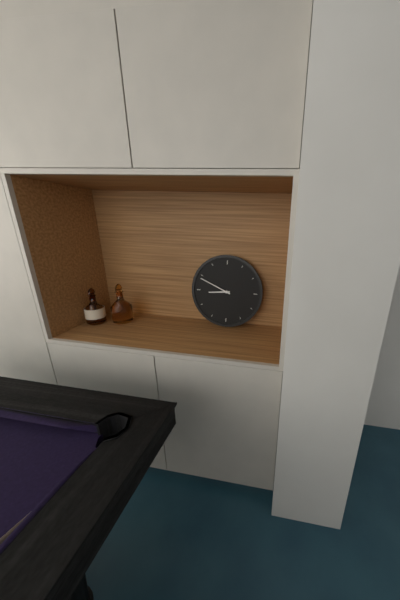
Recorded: **8:49**
